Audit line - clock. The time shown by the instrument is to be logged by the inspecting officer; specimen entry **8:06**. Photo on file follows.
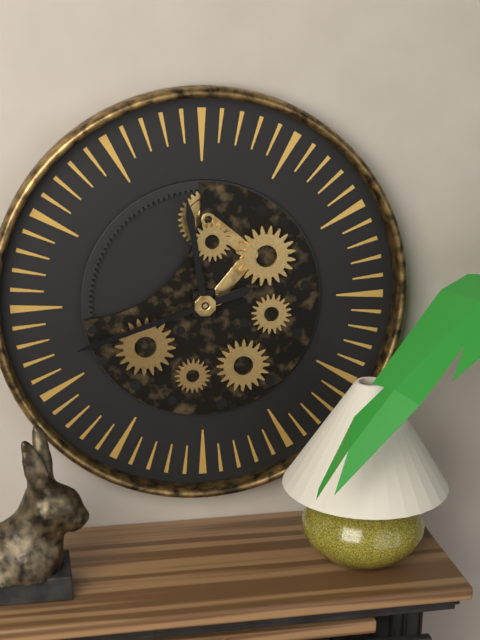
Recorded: **11:42**
